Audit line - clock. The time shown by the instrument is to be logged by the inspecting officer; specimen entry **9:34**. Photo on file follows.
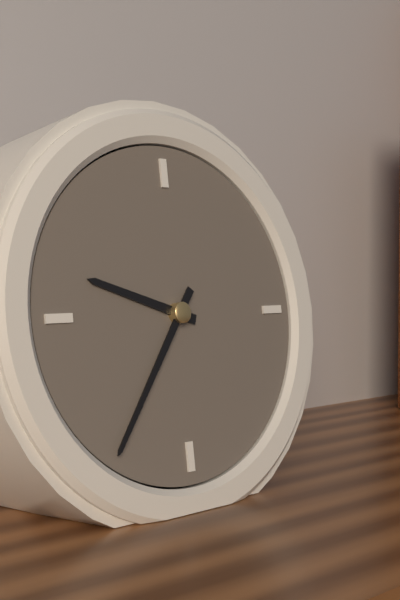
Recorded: **9:36**
